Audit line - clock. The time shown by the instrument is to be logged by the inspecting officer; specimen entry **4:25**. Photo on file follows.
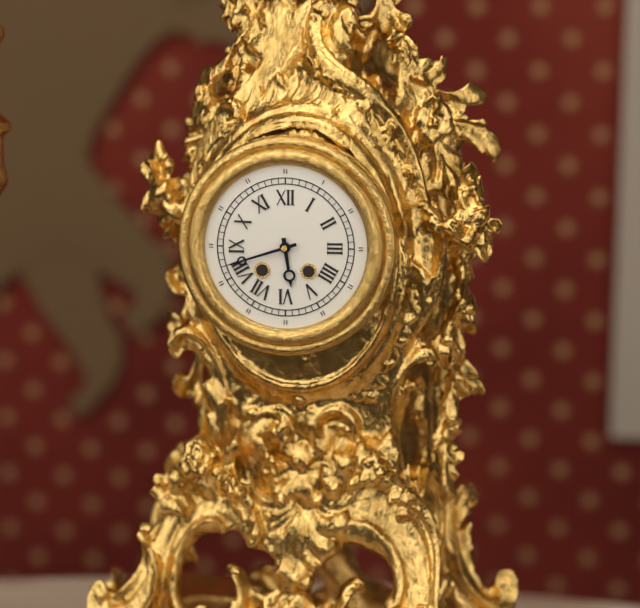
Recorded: **5:42**
